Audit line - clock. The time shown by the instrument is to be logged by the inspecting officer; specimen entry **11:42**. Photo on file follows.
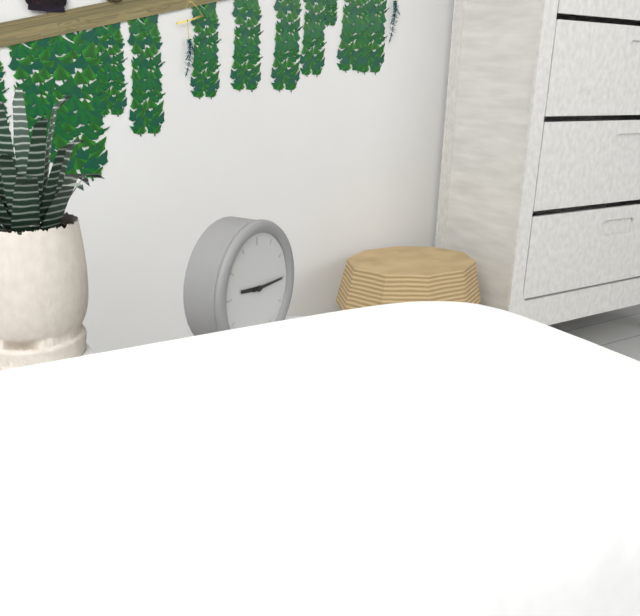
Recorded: **9:15**
